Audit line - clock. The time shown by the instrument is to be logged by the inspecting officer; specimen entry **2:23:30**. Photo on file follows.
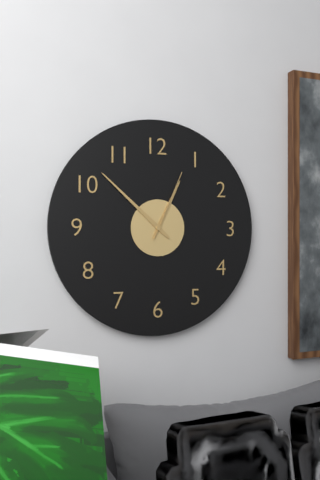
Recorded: **12:52:04**
